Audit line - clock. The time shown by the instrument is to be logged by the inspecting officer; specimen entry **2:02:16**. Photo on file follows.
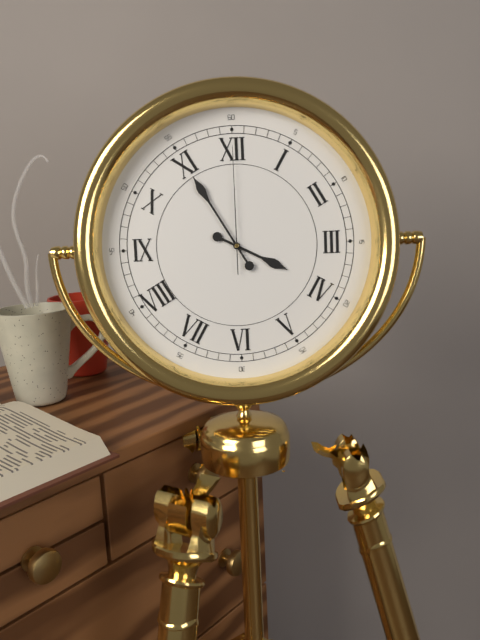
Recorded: **3:55:00**
